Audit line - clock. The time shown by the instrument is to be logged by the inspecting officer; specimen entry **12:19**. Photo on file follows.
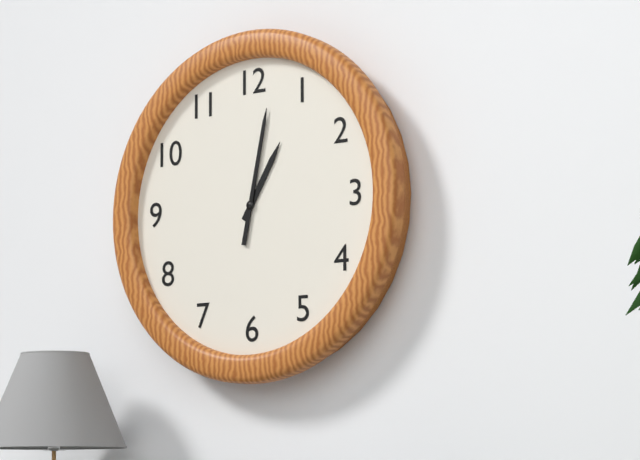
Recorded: **1:02**
